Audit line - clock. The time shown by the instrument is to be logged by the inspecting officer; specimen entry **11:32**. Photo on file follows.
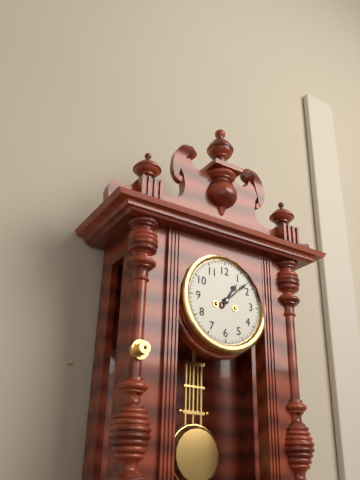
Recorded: **1:08**
